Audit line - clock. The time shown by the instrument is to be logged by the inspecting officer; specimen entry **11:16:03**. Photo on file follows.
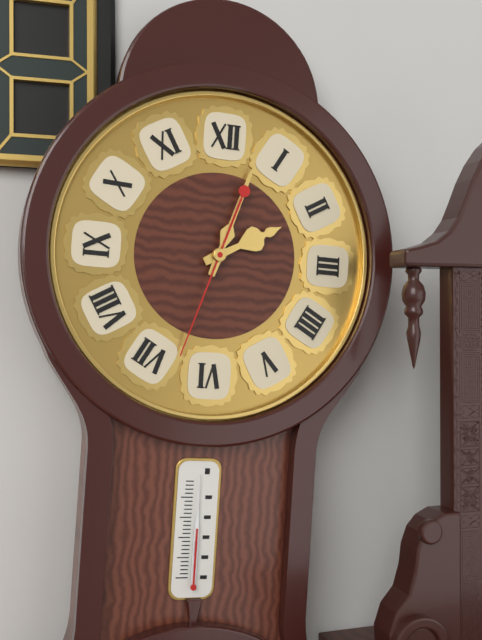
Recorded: **2:03:33**
